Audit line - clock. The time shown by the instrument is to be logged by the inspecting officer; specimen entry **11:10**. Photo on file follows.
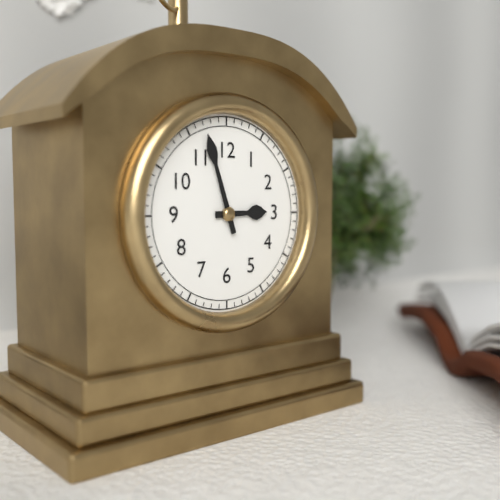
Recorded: **2:57**
